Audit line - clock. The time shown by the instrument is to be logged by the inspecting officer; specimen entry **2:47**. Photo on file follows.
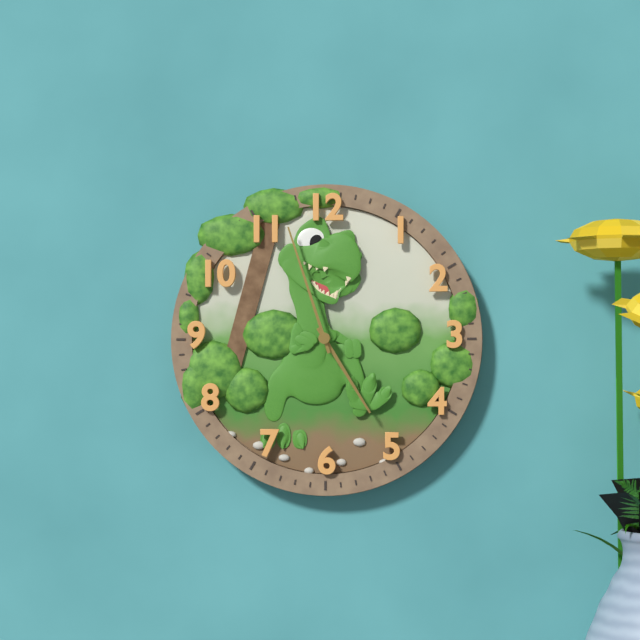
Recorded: **4:57**
